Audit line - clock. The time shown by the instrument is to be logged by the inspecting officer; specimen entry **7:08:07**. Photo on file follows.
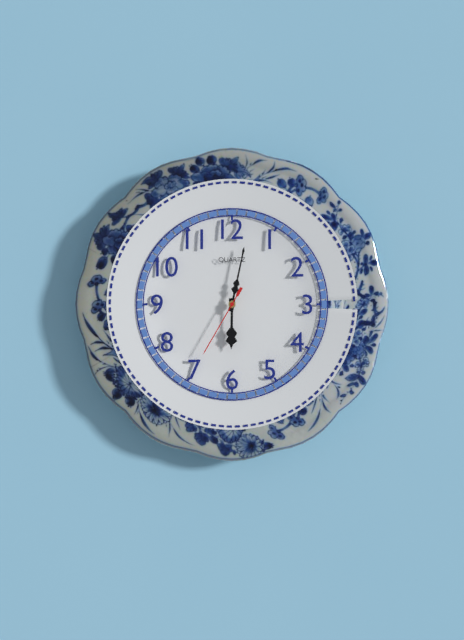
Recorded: **6:02:35**
